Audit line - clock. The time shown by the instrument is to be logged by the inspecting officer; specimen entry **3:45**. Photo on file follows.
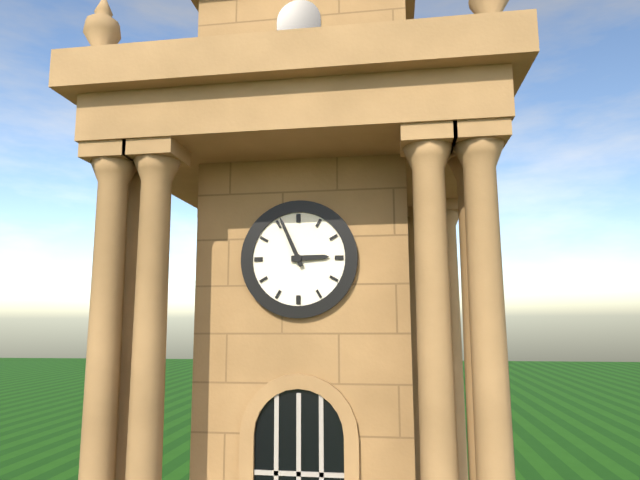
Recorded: **2:56**
